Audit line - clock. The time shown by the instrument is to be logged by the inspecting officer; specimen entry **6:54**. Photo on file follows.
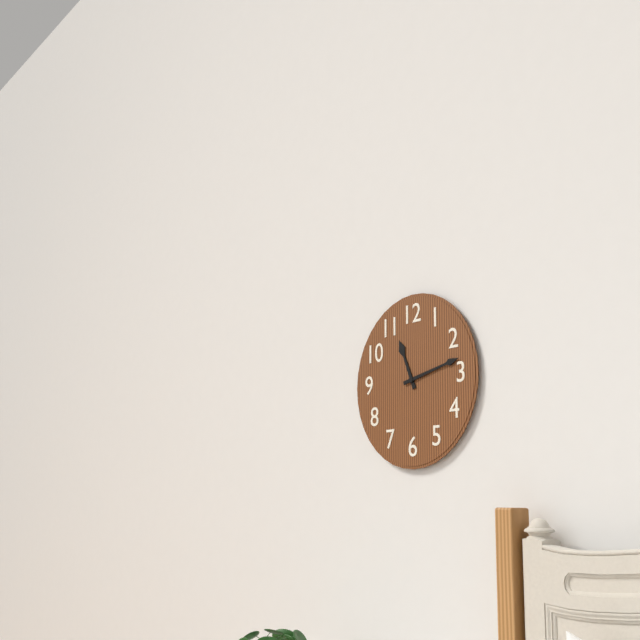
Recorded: **11:13**
